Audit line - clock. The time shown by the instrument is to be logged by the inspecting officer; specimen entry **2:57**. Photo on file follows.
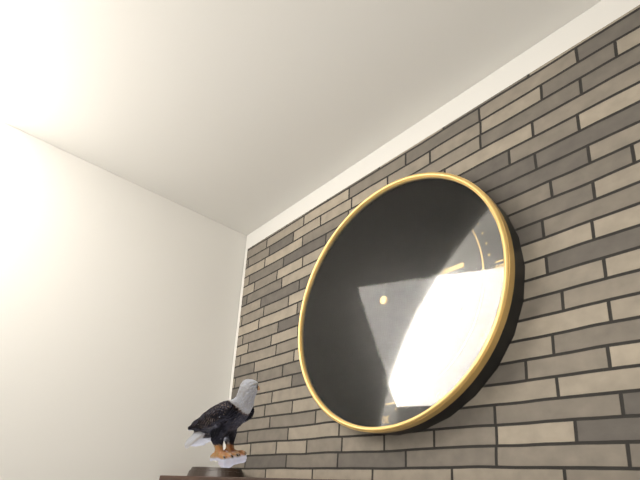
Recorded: **12:22**
